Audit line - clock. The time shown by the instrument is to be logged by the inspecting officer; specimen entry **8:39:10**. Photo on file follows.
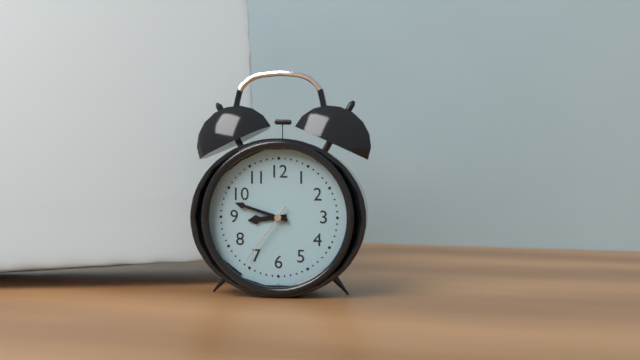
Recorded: **8:48:36**
